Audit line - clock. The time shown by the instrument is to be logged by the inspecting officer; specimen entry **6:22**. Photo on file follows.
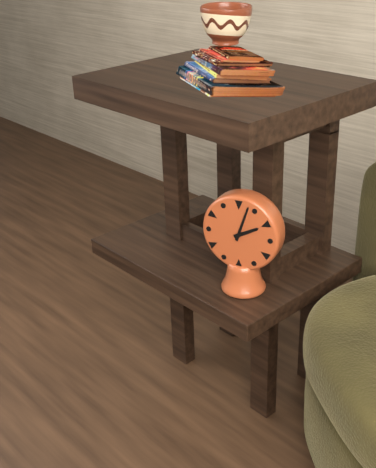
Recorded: **2:03**
